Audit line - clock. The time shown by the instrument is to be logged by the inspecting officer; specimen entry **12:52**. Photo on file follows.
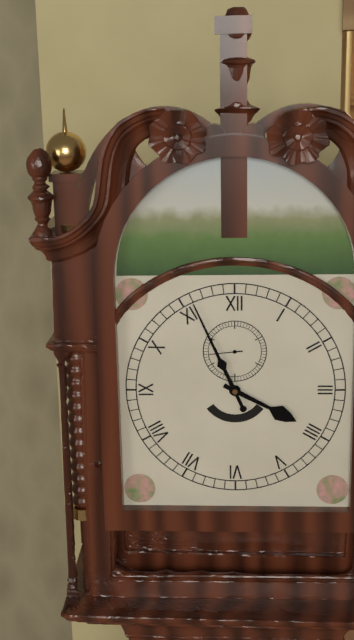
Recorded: **3:56**
